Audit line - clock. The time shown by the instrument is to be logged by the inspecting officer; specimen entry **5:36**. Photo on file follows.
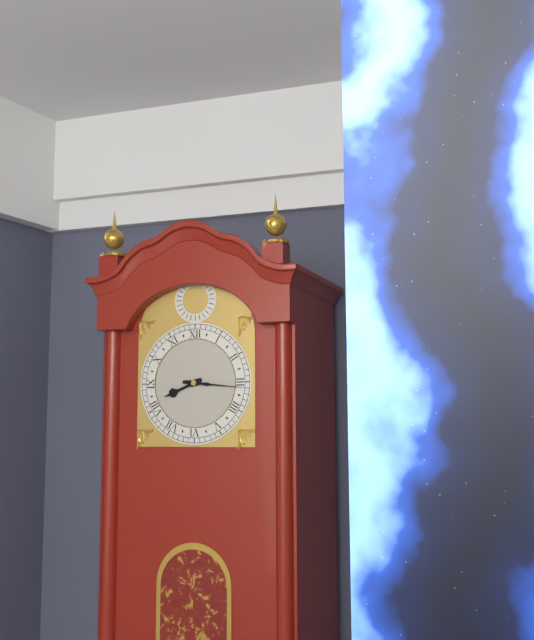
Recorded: **8:16**
